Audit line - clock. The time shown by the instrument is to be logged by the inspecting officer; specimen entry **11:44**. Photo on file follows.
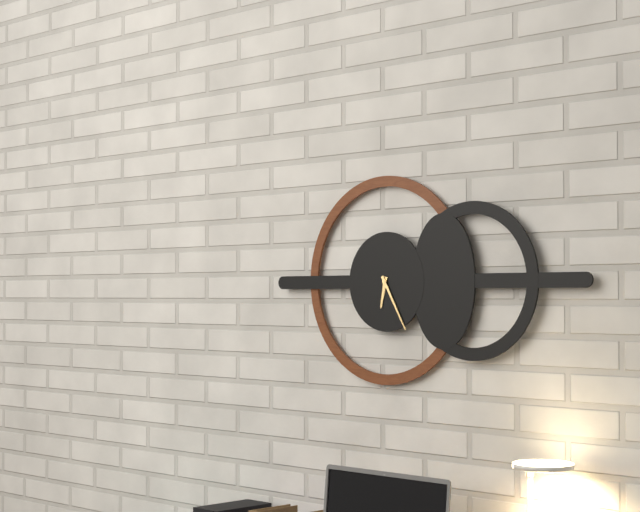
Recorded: **6:25**
